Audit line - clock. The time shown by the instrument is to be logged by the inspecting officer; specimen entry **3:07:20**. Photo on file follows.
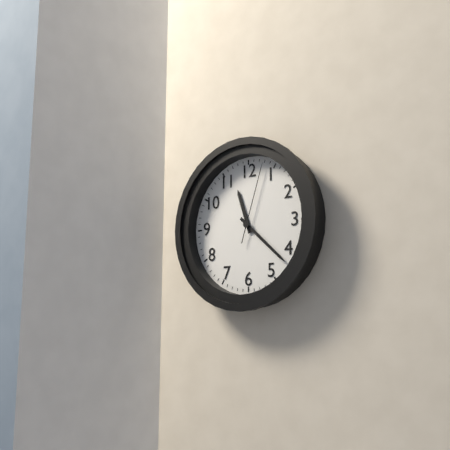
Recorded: **11:22:03**
